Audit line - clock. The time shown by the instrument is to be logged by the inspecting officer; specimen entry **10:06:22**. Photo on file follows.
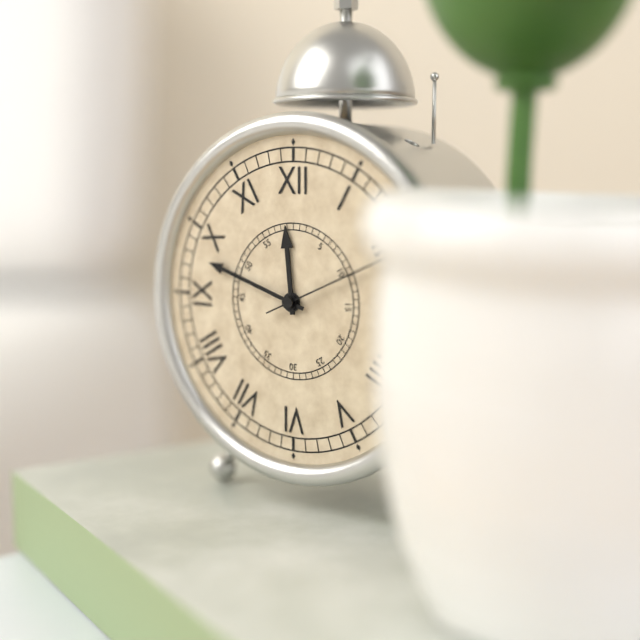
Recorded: **11:48:11**
